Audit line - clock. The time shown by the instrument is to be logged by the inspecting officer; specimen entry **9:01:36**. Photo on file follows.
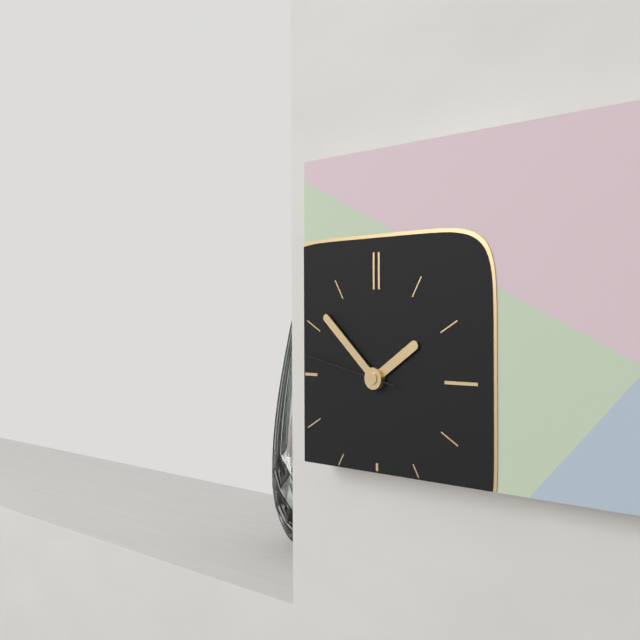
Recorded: **1:52:47**
